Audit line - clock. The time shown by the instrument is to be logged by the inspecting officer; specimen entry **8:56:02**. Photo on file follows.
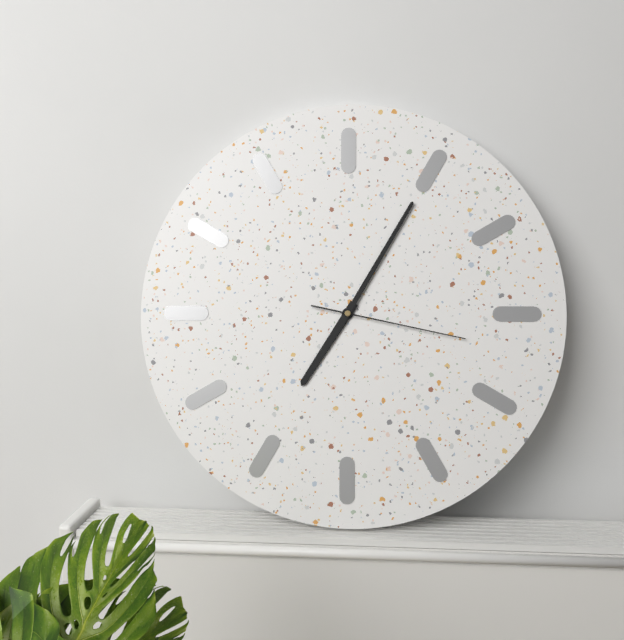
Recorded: **7:05:17**
